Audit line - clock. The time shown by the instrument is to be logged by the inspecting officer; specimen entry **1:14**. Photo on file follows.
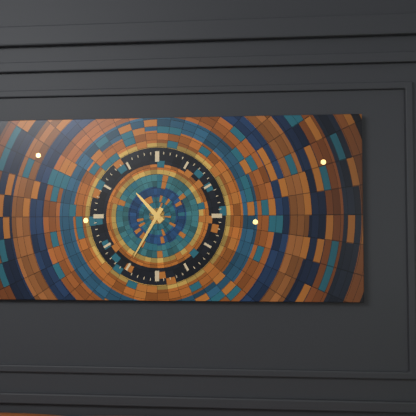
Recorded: **10:35**
